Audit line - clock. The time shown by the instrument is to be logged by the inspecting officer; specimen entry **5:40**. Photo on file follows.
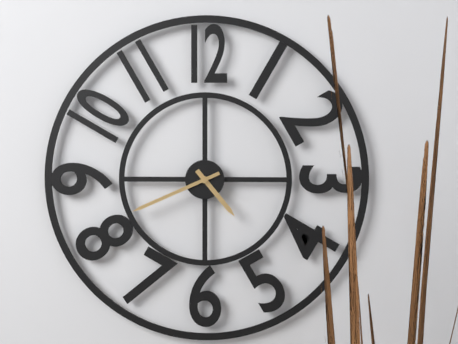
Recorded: **4:41**
